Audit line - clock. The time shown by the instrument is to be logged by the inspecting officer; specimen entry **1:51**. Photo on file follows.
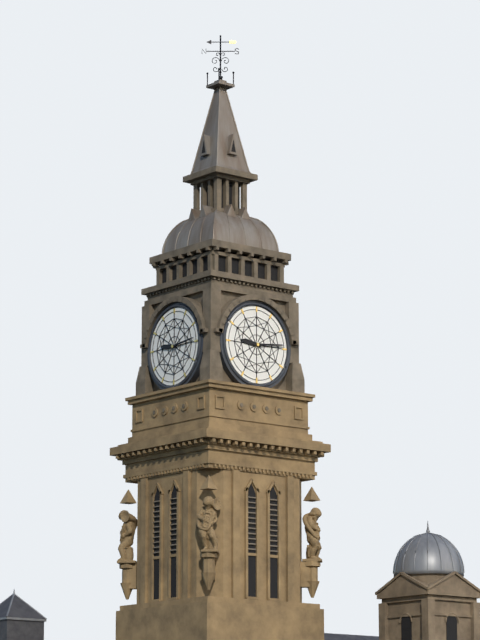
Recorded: **9:14**
